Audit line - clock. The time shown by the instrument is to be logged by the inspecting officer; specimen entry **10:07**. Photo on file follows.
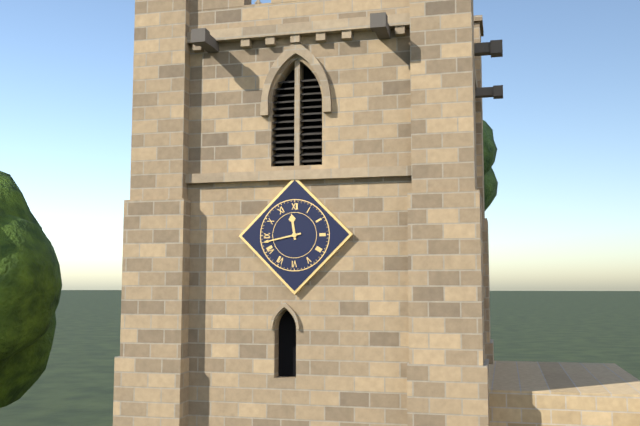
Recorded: **11:43**
